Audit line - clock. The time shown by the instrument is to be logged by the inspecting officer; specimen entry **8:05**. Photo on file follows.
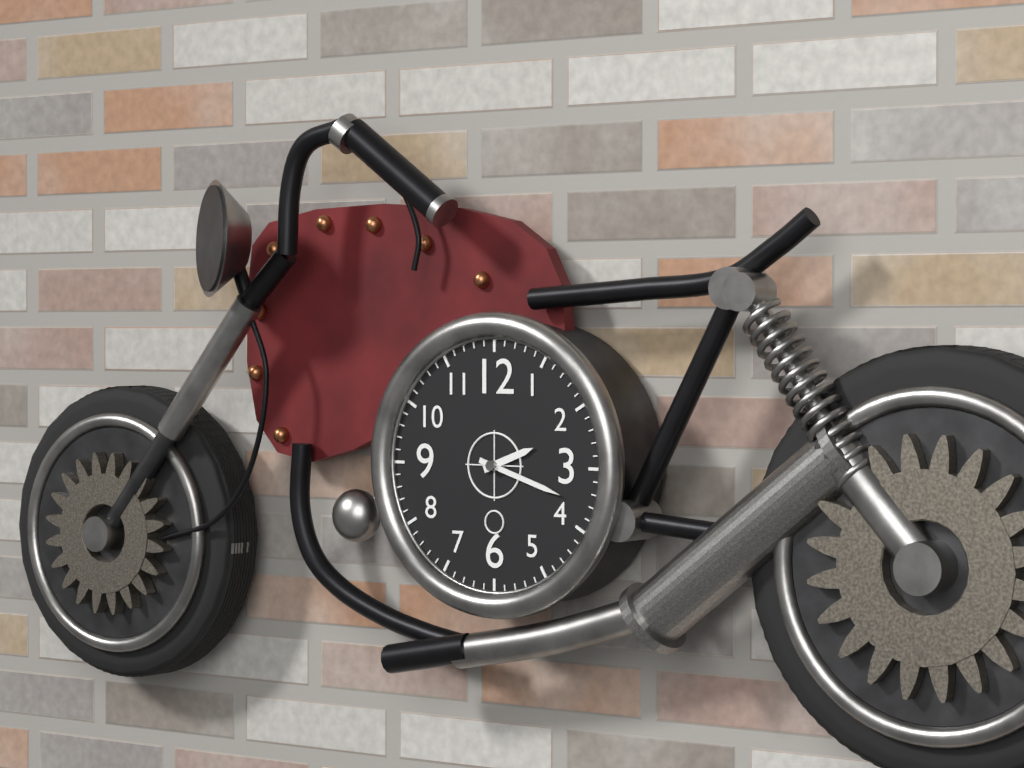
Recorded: **2:18**
